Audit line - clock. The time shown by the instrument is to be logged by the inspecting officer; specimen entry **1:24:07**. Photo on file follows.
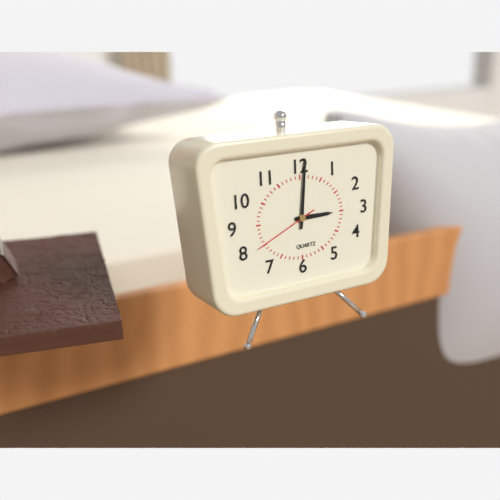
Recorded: **3:01:41**
